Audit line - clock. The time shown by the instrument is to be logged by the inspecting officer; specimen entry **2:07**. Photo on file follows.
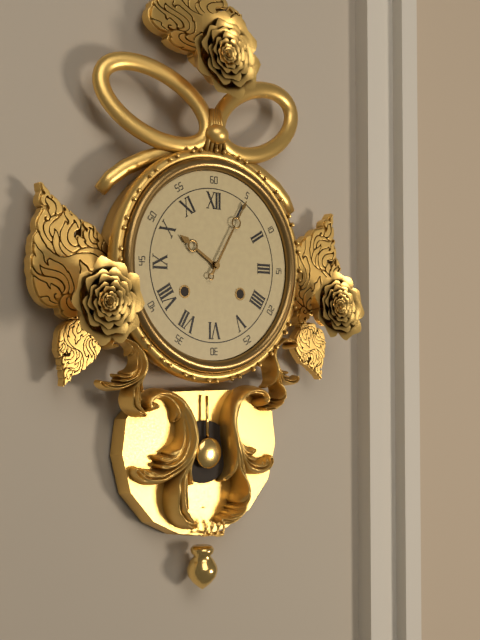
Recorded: **10:05**
